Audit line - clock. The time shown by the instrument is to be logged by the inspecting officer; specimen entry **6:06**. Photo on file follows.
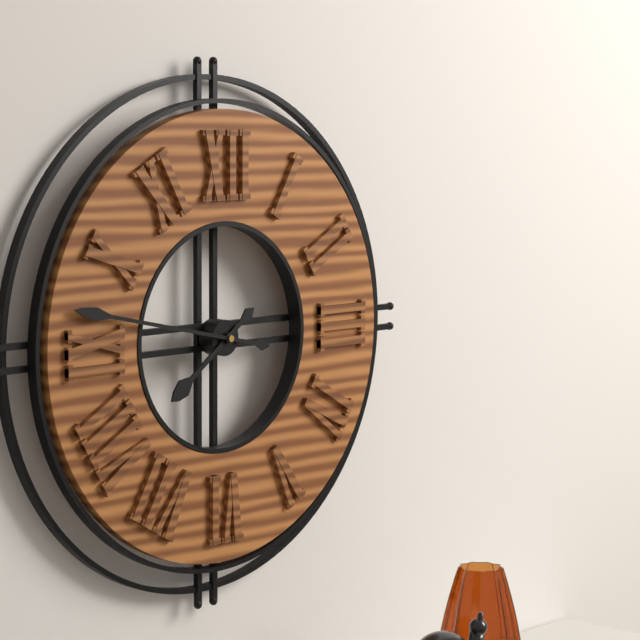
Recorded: **7:47**
